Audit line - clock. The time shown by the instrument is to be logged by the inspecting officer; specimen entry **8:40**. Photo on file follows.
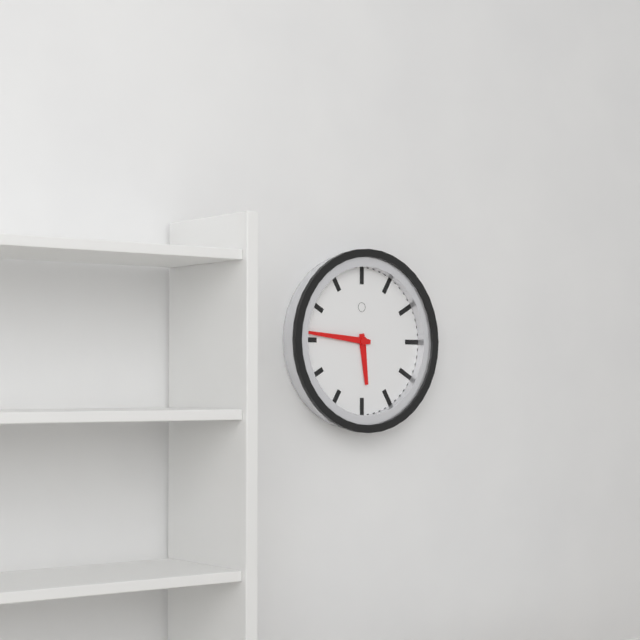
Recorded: **5:46**
